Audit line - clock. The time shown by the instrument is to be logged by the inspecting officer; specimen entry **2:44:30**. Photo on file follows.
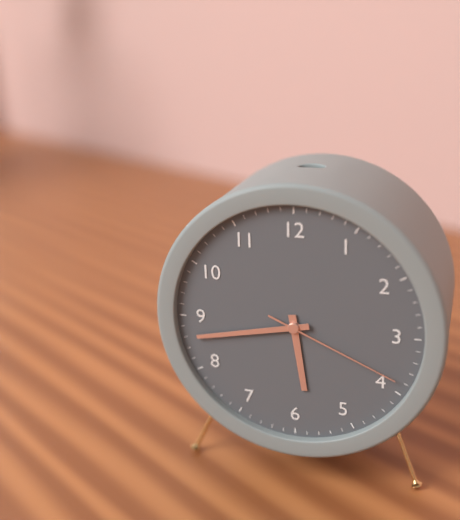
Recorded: **5:43:19**
